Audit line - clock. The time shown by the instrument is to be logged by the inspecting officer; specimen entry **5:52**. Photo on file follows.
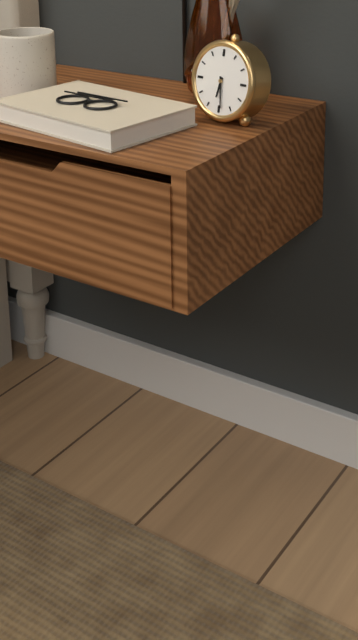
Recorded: **6:29**
